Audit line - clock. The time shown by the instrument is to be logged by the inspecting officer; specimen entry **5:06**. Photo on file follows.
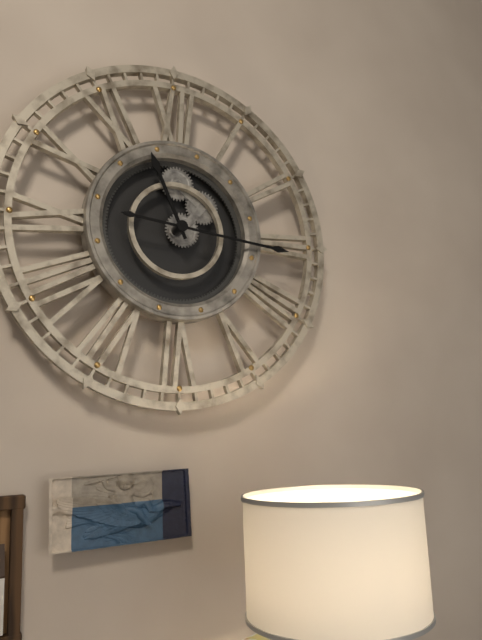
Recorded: **11:16**
